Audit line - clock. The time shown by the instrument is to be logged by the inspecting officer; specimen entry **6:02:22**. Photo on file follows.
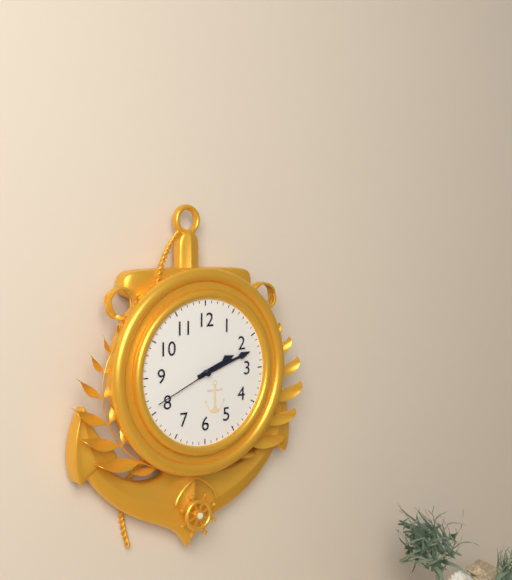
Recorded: **2:12:41**
